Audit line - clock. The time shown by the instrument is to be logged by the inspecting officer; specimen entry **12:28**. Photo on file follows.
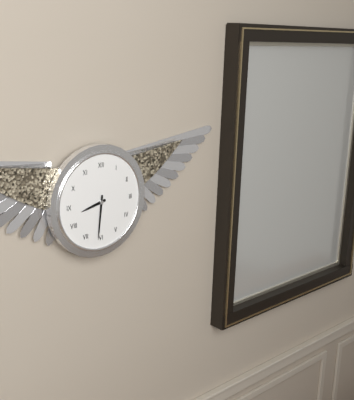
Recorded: **8:31**
